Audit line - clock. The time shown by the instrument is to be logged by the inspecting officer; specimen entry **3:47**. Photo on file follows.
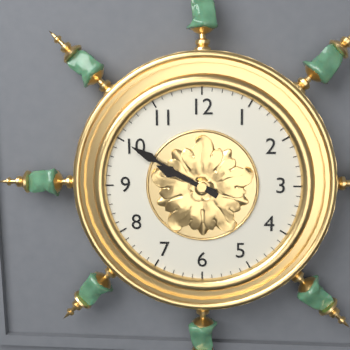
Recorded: **9:50**
